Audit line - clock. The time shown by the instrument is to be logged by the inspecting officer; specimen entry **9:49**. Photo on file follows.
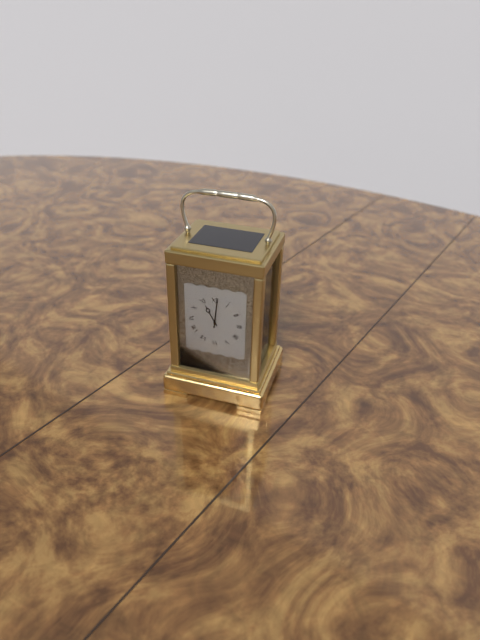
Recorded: **11:01**
